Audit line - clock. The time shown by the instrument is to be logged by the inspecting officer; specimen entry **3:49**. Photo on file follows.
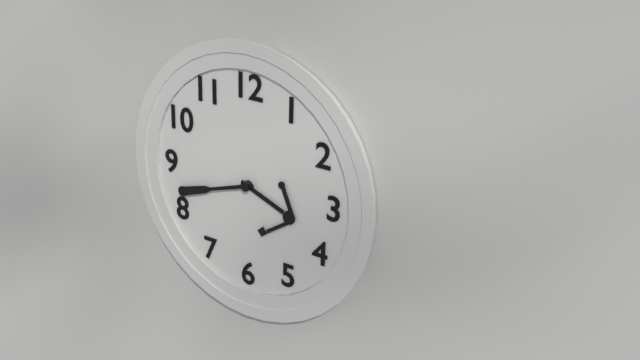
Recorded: **3:42**
